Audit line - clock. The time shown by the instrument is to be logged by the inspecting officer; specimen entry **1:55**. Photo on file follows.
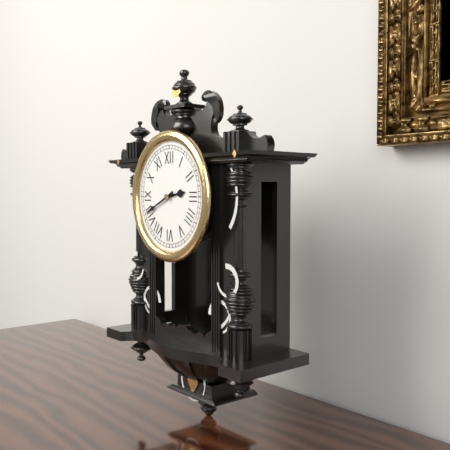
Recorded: **2:41**
